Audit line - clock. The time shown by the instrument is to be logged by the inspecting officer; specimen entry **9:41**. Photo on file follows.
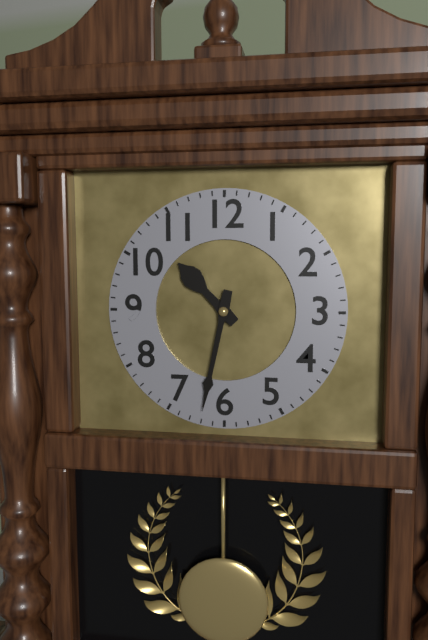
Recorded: **10:32**
